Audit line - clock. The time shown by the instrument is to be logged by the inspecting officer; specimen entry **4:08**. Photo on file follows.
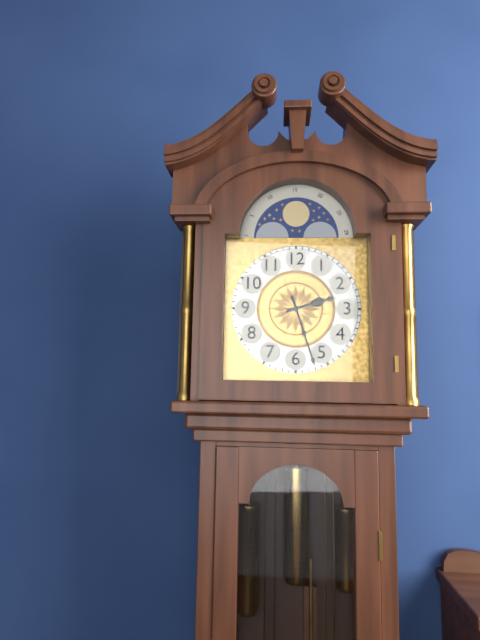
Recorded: **2:27**
